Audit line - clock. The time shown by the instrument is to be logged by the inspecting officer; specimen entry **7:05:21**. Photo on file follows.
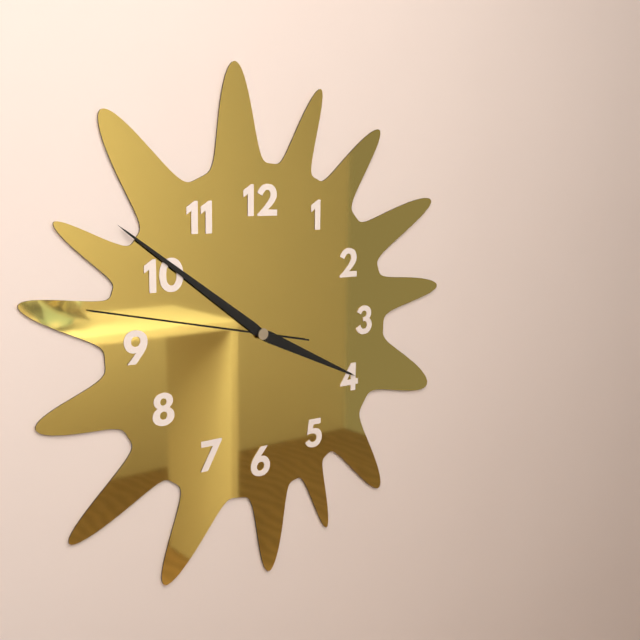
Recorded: **3:51:47**
